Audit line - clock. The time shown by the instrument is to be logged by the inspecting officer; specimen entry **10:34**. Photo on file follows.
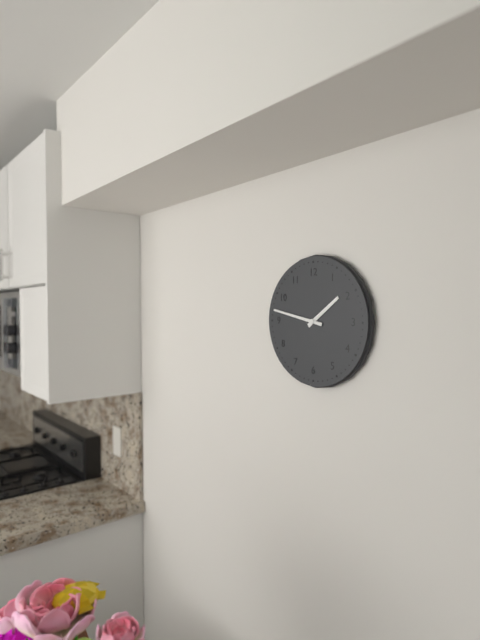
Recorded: **1:47**
